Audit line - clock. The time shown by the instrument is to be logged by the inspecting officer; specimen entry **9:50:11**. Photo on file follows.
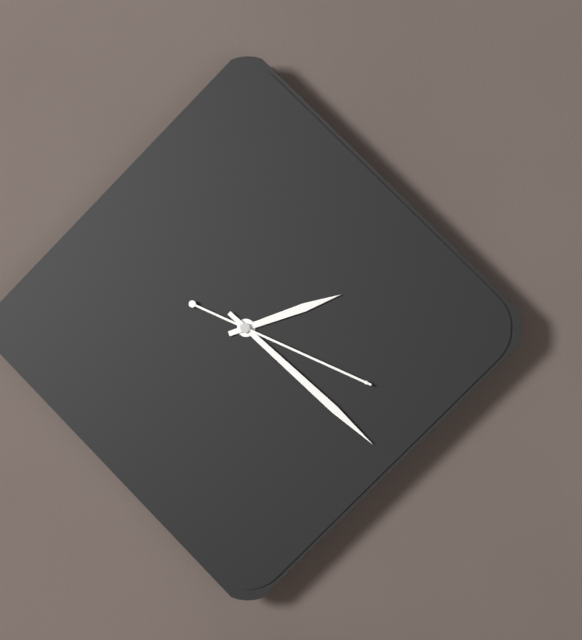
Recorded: **2:22:19**
